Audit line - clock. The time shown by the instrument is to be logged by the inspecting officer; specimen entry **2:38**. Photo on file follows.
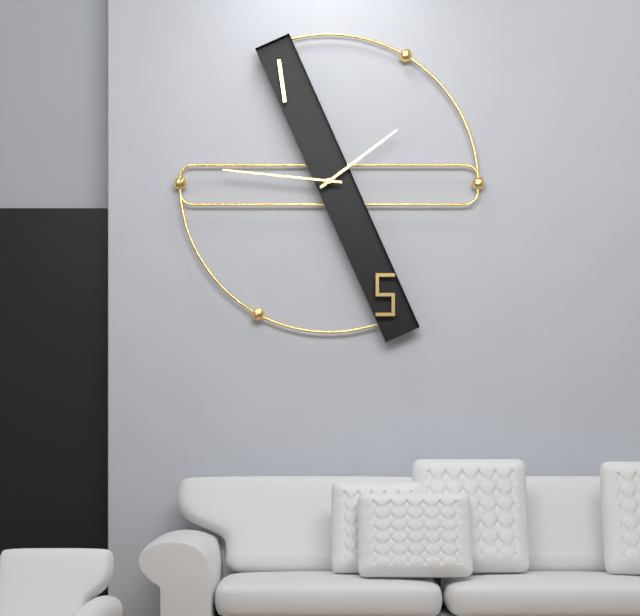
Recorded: **1:46**
